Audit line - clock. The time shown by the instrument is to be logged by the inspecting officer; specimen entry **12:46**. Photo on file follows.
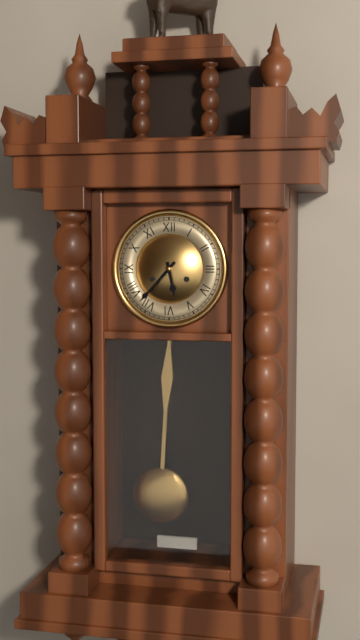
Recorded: **5:37**
